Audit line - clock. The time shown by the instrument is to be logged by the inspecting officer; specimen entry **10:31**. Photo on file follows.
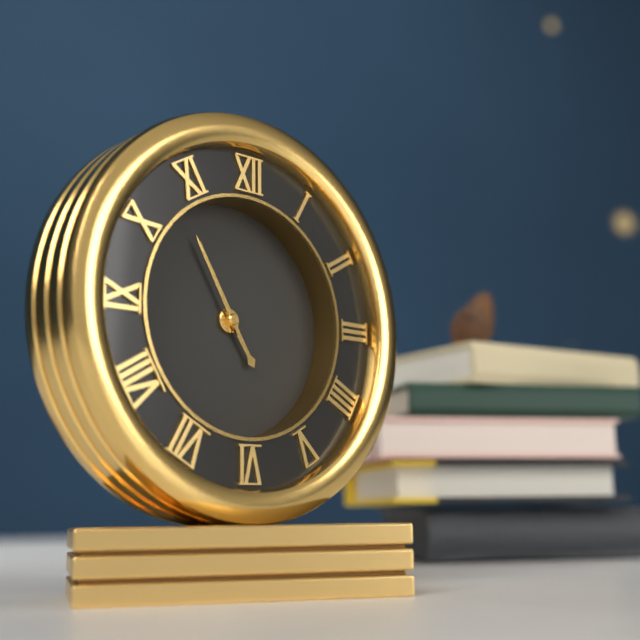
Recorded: **4:55**
